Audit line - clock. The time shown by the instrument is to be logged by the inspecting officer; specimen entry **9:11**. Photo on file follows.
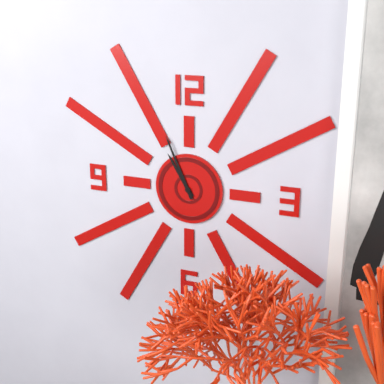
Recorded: **10:56**
